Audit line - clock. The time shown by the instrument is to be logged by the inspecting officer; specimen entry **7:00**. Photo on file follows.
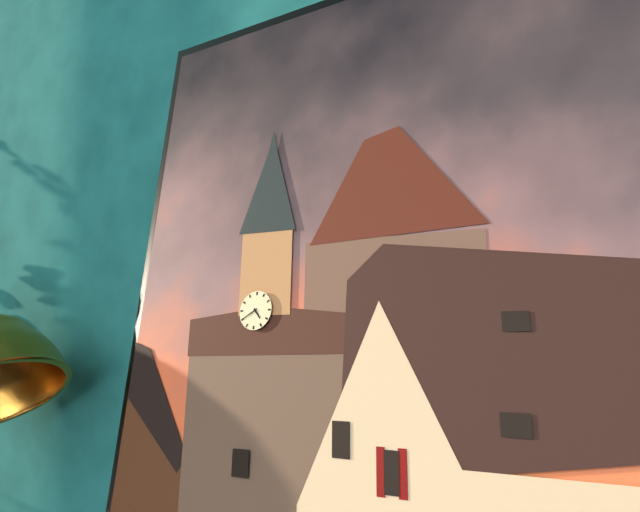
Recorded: **4:40**
